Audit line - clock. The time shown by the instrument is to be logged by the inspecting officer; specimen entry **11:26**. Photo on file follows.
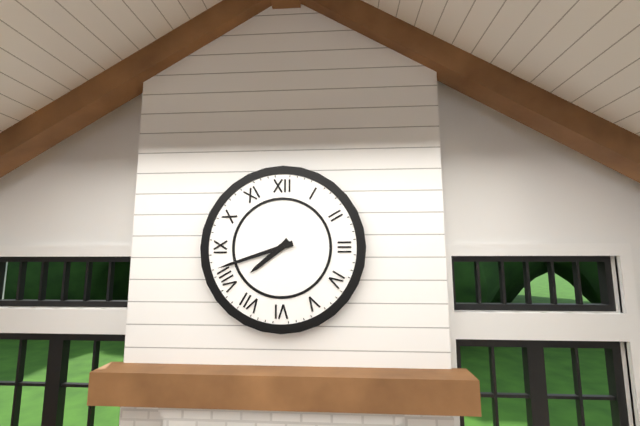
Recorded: **7:42**
